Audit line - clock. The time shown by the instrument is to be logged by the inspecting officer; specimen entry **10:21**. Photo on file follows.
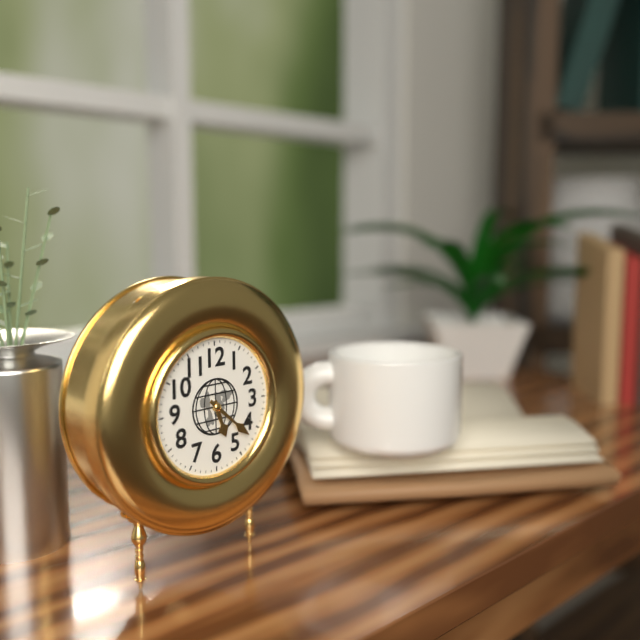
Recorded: **5:22**
